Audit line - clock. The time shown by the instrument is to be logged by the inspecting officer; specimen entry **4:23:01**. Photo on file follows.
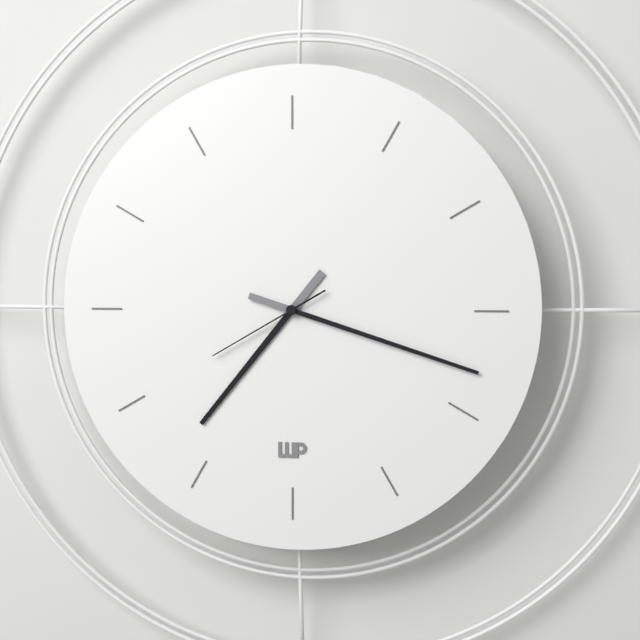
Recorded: **7:18:40**
